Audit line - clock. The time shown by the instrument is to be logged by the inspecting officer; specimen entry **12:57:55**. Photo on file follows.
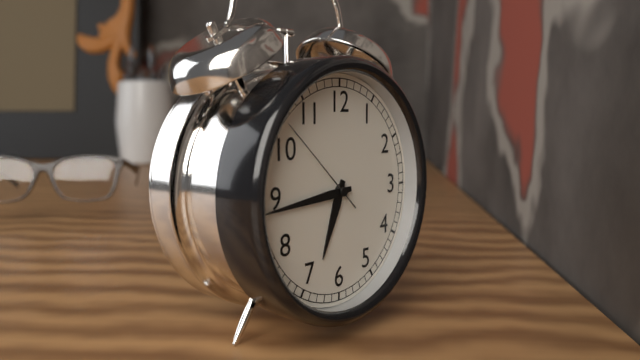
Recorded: **6:44:52**
